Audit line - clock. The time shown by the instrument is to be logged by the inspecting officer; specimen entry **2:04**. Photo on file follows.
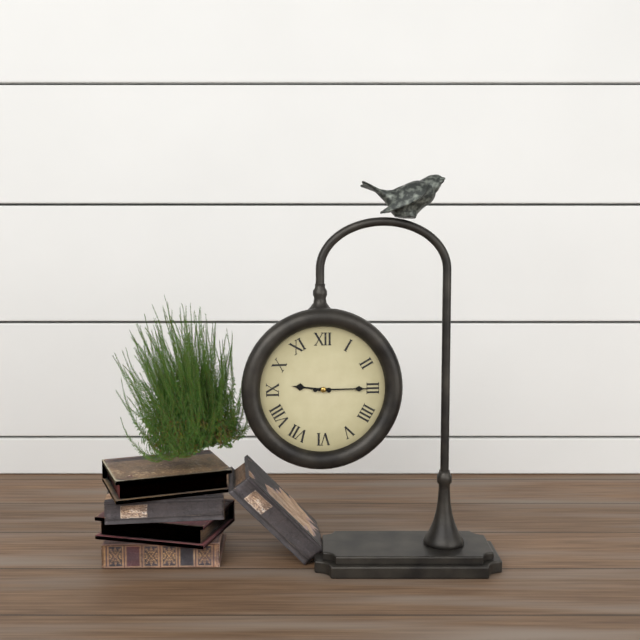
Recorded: **9:15**
